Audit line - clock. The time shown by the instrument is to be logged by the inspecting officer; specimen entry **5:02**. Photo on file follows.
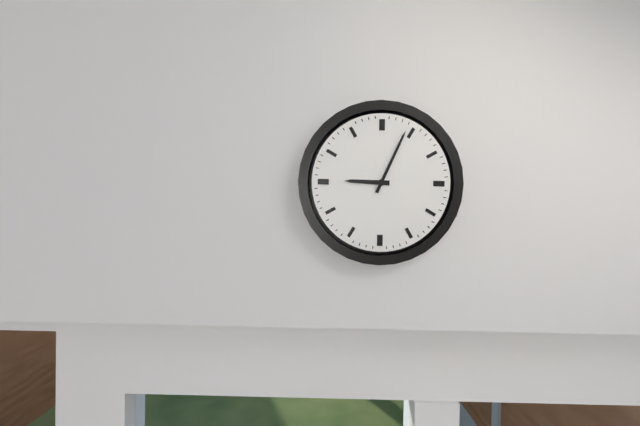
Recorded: **9:04**
